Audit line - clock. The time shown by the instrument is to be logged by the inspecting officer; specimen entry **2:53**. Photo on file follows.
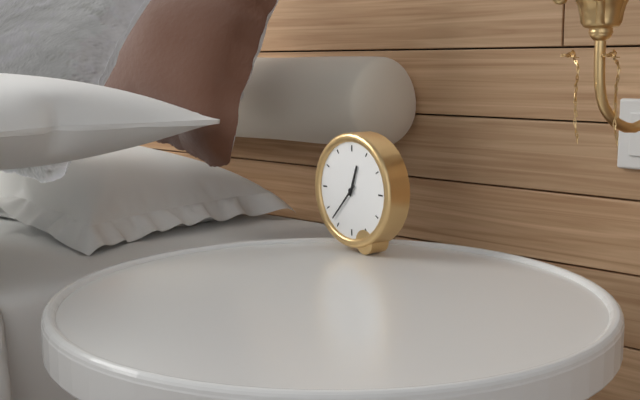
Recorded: **12:37**
